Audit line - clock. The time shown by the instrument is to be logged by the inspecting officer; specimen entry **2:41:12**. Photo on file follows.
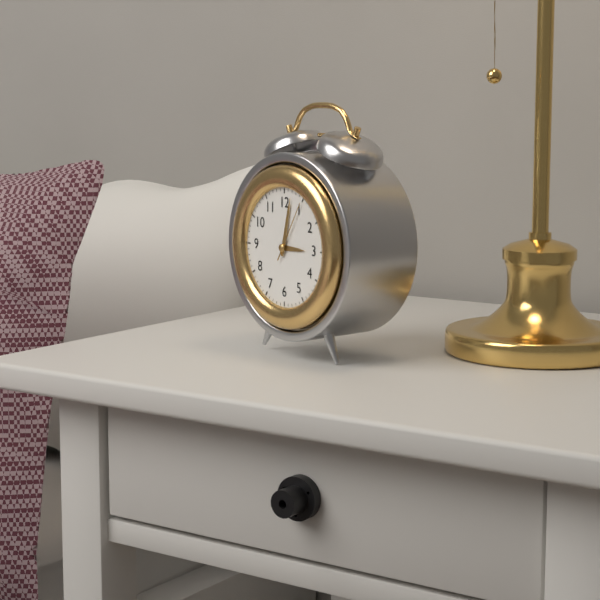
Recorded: **3:02:05**
